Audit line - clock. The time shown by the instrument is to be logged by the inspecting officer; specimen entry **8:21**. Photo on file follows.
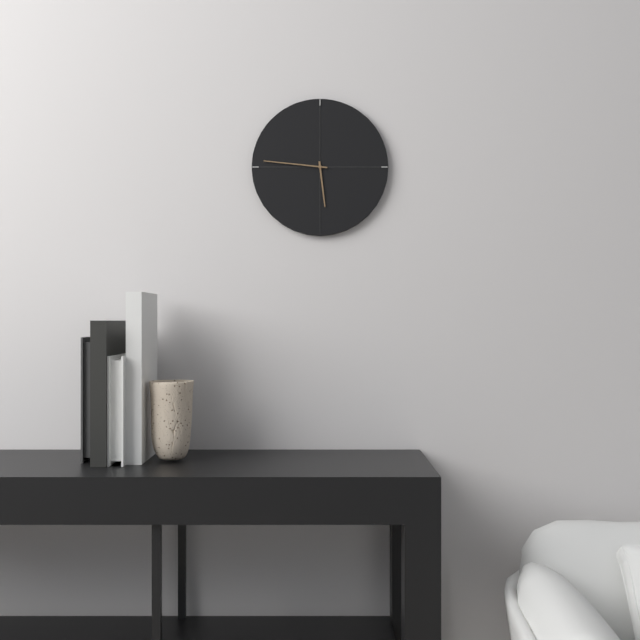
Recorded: **5:46**
